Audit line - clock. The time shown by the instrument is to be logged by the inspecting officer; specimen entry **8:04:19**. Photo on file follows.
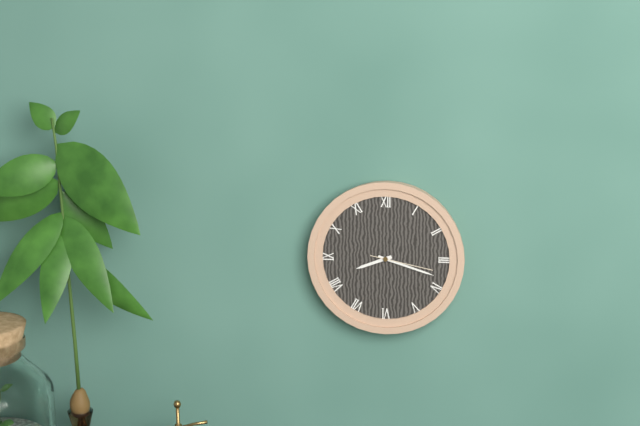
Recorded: **8:18:17**
